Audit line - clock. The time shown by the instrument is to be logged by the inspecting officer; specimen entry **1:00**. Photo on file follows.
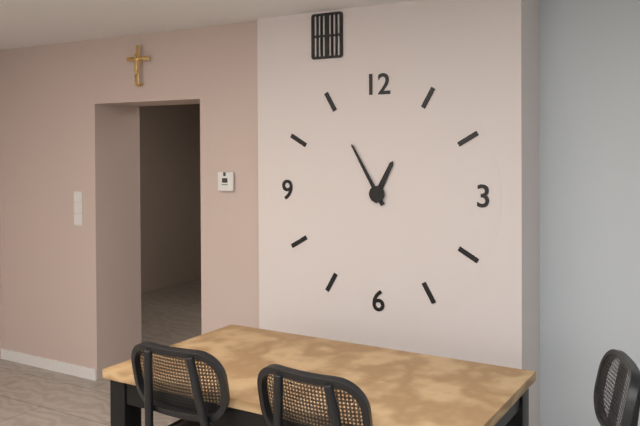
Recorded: **12:55**
